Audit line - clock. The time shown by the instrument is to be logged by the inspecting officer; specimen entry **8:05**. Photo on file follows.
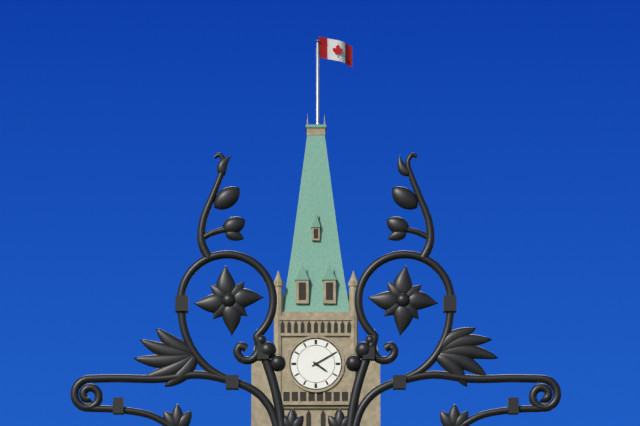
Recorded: **4:10**
